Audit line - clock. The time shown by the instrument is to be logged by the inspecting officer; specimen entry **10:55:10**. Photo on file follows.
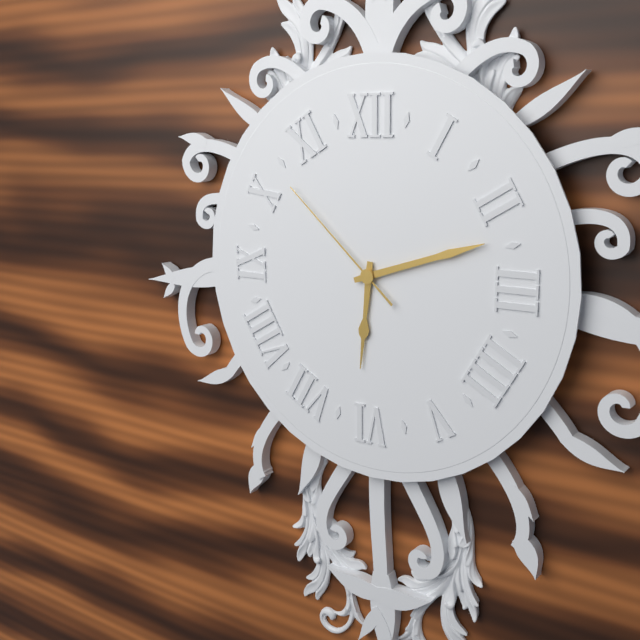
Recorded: **6:12:52**
